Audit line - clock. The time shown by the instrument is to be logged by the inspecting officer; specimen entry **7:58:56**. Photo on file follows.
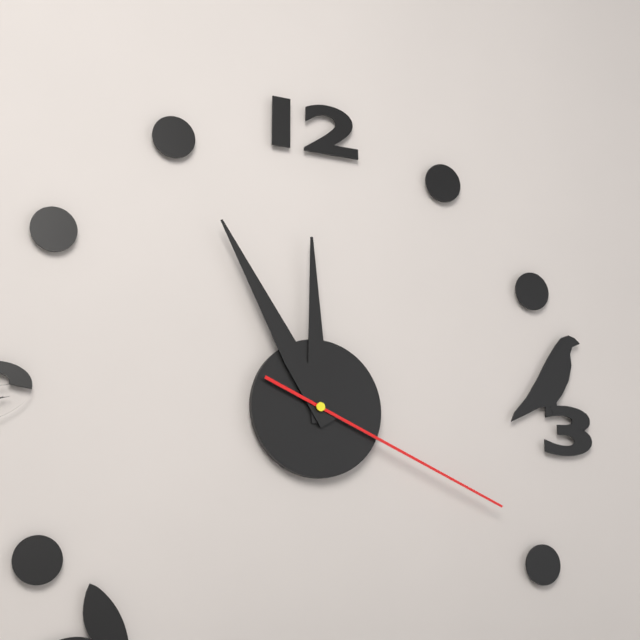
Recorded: **11:55:19**
